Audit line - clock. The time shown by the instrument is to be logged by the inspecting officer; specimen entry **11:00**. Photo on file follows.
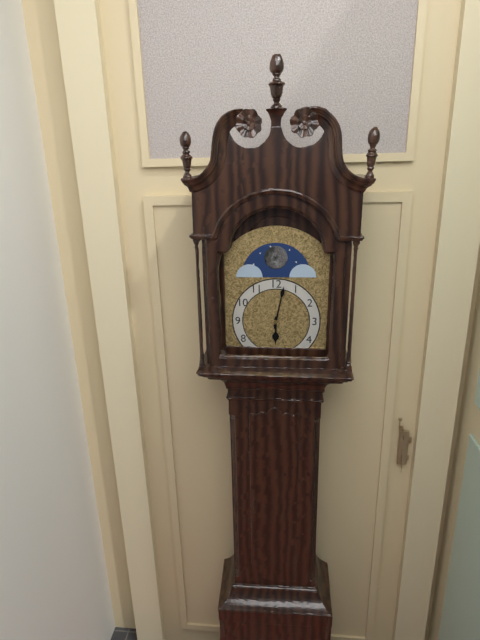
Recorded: **6:02**
